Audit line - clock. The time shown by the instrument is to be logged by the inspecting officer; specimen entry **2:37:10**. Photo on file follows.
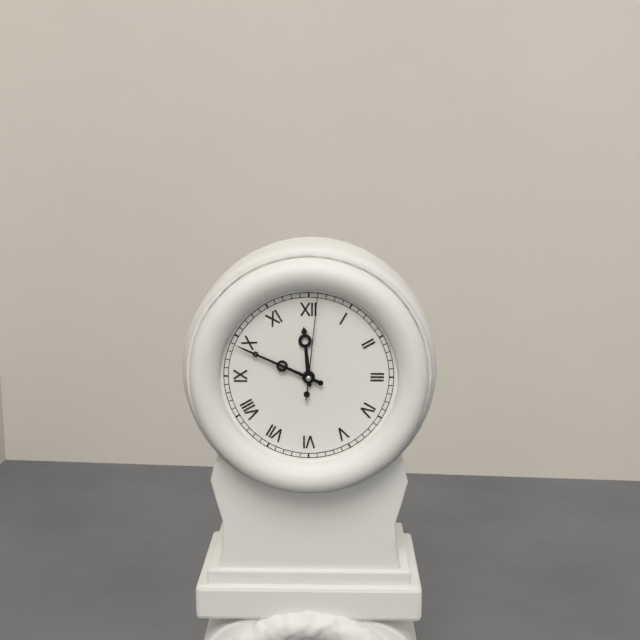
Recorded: **11:49:01**
